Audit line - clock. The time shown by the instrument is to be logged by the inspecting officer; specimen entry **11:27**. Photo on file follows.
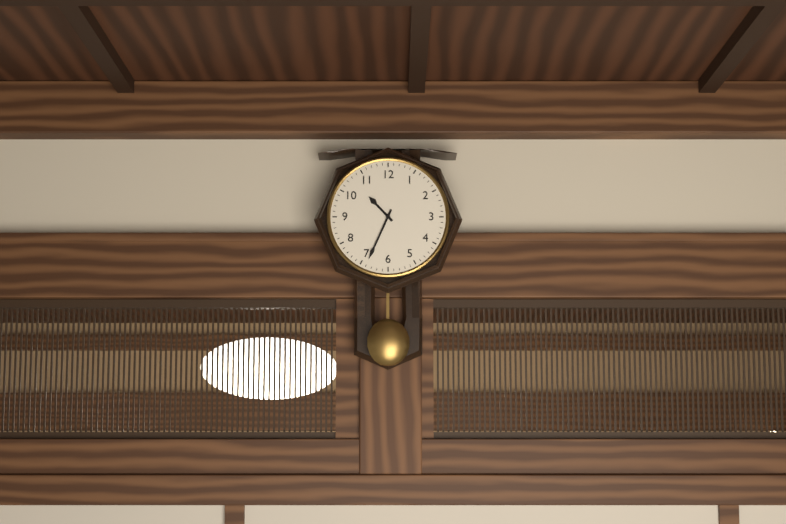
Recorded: **10:34**
